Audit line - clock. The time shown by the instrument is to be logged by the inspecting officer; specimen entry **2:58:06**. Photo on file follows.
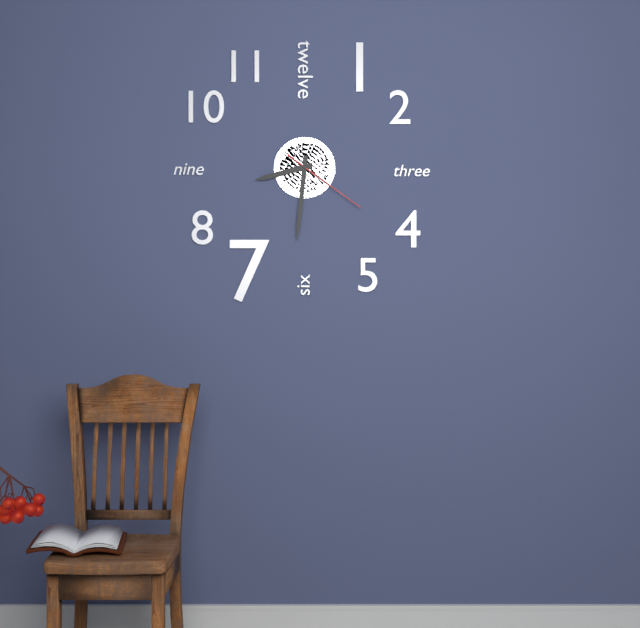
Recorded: **8:31:21**
